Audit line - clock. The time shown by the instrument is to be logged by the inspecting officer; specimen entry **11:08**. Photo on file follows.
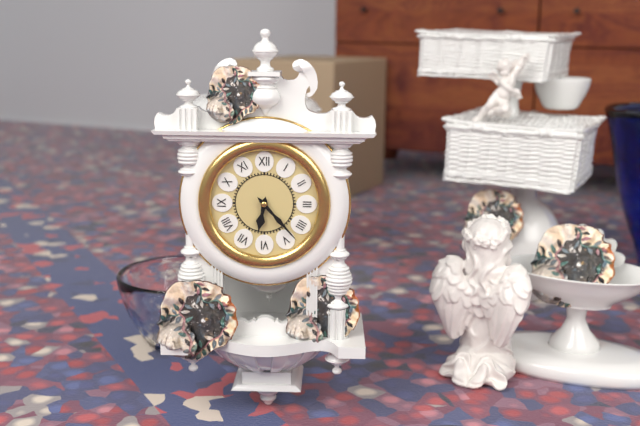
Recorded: **6:23**
